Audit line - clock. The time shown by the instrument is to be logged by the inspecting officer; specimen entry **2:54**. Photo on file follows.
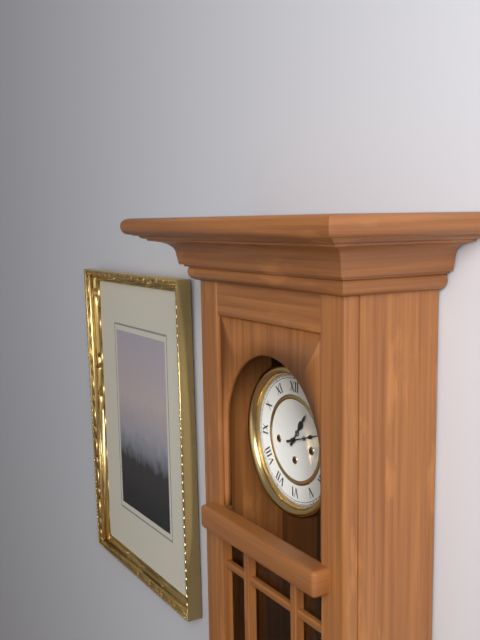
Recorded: **1:12**
